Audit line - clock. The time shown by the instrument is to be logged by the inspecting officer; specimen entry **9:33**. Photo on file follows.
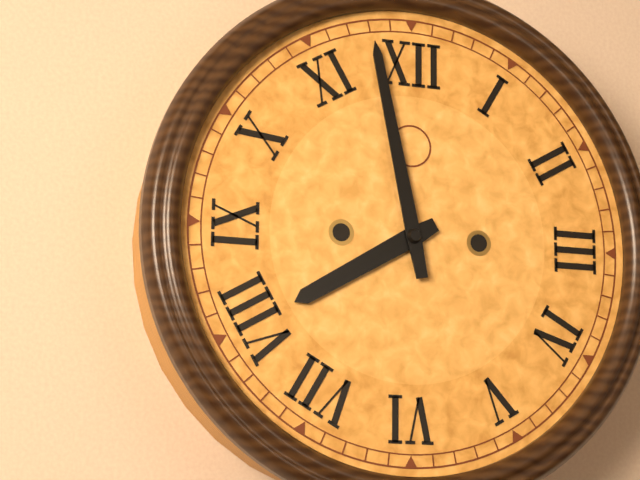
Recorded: **7:58**
